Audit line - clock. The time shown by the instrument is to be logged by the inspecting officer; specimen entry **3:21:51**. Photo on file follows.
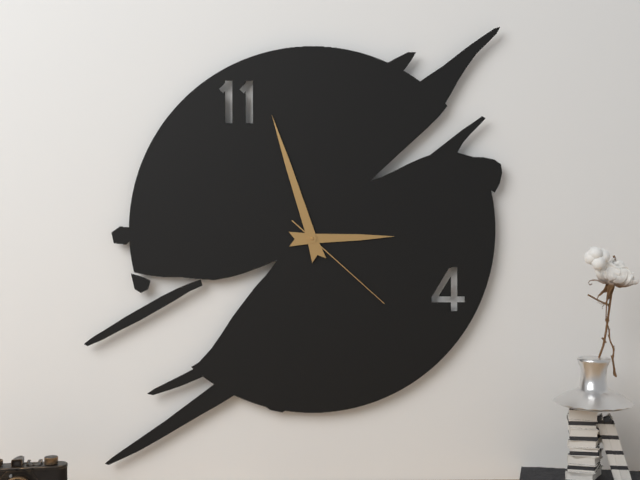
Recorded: **2:57:22**
